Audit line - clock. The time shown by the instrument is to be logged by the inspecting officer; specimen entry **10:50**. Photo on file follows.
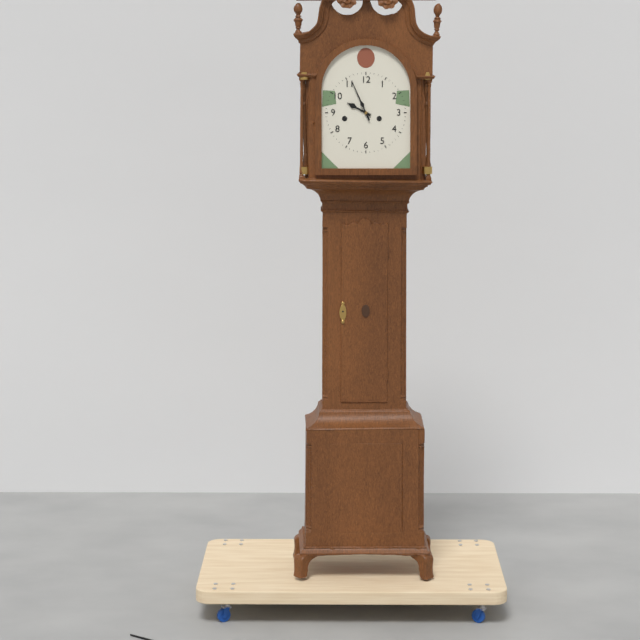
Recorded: **9:56**
